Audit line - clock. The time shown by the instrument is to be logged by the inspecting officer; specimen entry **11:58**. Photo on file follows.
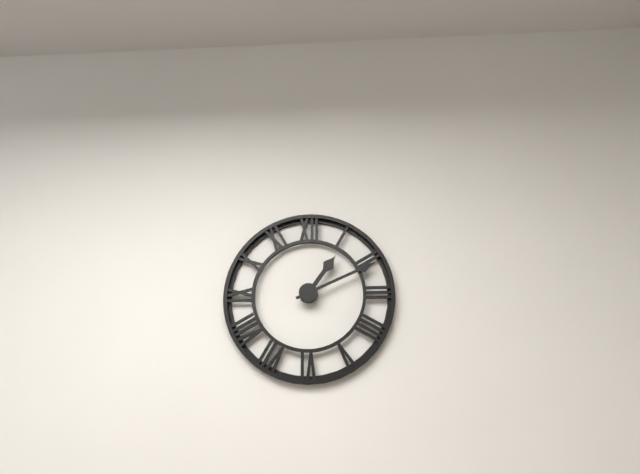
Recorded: **1:11**
